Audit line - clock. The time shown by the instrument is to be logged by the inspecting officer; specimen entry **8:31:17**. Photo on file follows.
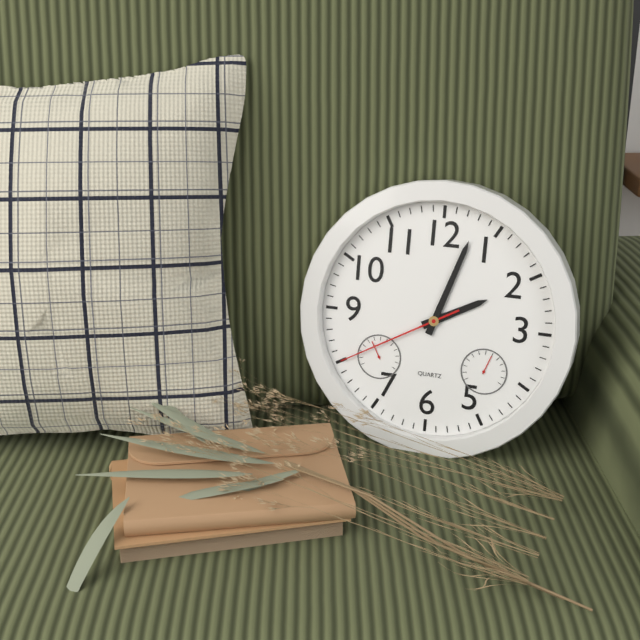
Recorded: **2:03:40**
